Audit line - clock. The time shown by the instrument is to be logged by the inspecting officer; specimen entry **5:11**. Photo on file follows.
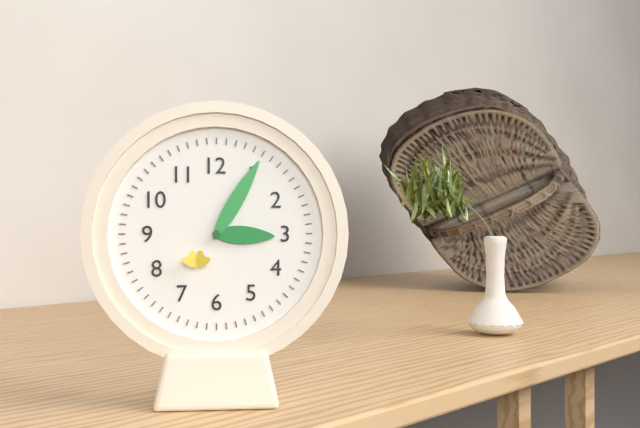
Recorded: **3:05**
